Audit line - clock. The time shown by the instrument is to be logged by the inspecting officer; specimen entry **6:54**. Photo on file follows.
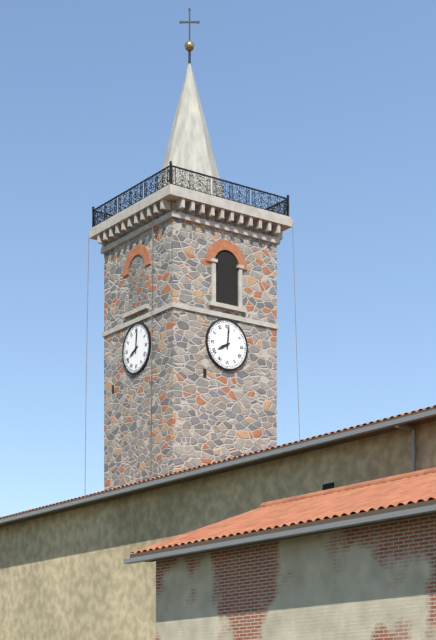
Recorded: **8:01**
